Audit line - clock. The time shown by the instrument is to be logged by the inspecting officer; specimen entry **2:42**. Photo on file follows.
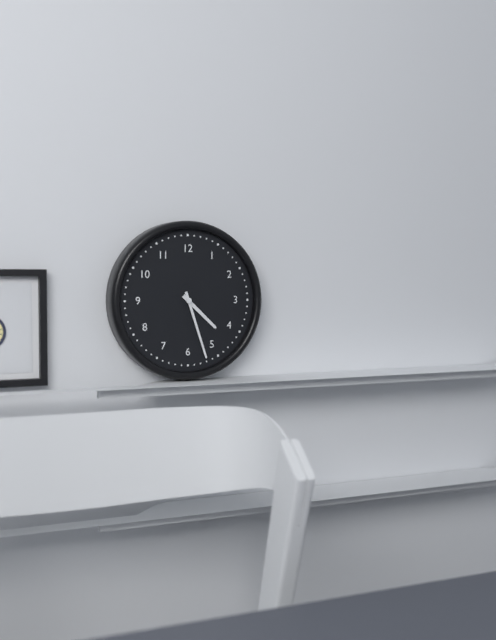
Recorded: **4:27**
